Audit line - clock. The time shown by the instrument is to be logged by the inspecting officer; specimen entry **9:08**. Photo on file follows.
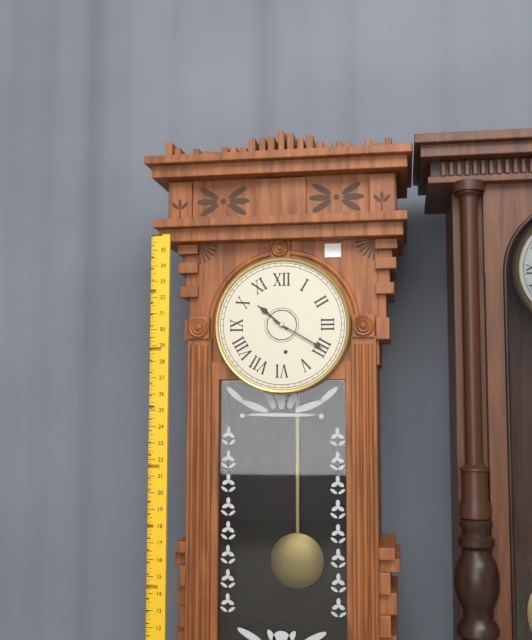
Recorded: **10:20**
